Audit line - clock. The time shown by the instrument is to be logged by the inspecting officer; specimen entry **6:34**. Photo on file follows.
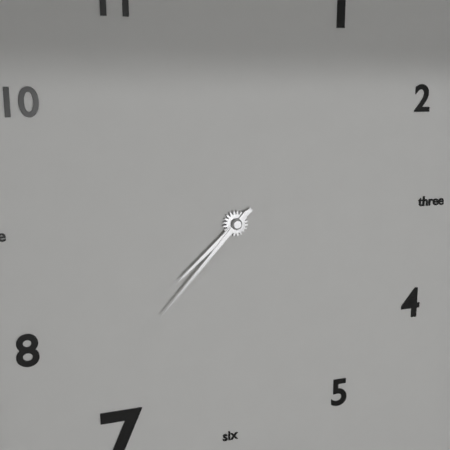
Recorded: **7:37**
